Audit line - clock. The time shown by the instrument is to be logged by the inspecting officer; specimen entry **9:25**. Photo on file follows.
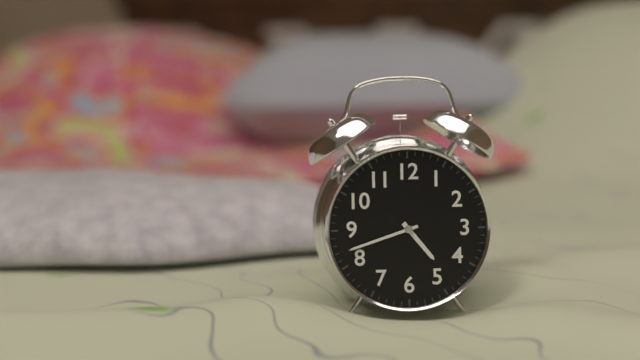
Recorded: **4:42**
